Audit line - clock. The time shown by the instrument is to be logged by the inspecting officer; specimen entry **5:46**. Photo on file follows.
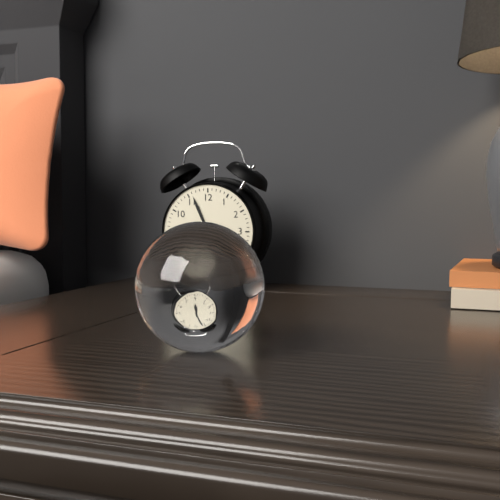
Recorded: **5:56**
